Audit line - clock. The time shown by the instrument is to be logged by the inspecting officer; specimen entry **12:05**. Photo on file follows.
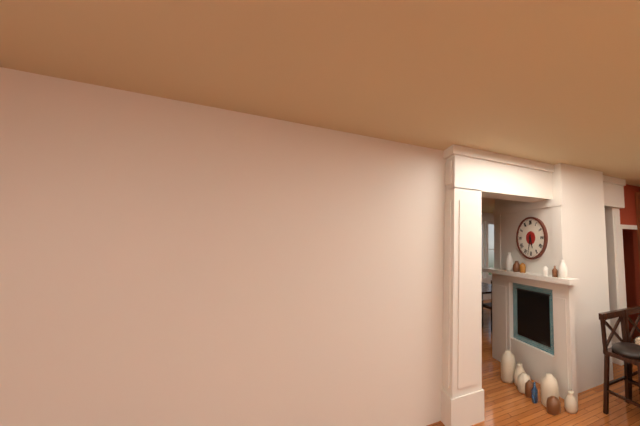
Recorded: **5:32**
